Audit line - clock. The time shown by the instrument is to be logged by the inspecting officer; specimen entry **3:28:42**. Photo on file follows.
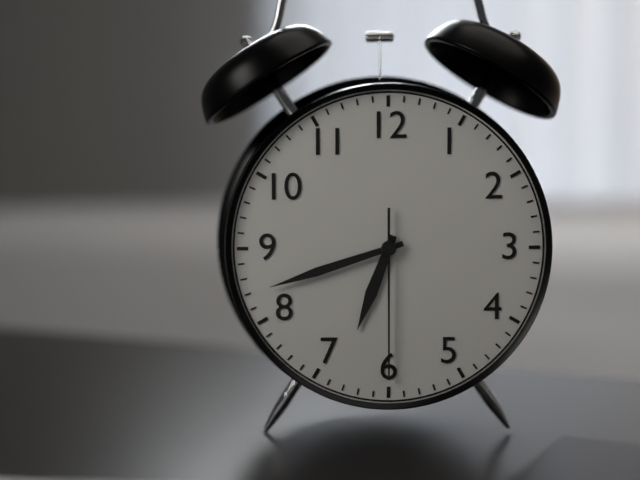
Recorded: **6:42:30**
